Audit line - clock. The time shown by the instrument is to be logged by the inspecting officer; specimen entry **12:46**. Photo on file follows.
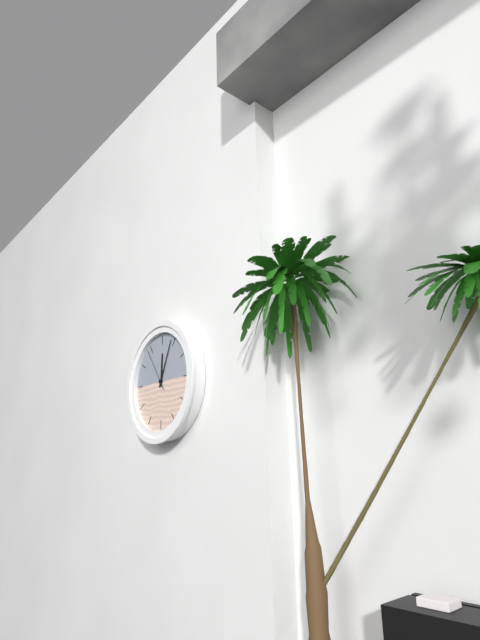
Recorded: **12:04**
